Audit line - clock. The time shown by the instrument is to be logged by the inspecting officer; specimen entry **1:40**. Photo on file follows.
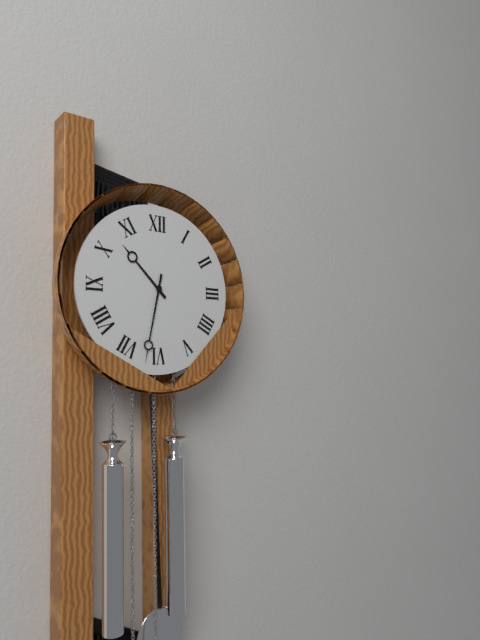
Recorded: **10:32**
